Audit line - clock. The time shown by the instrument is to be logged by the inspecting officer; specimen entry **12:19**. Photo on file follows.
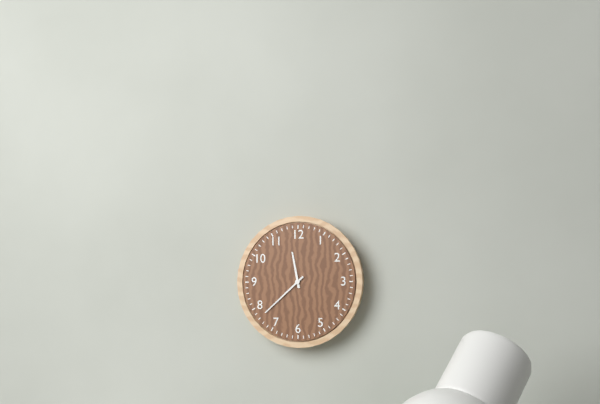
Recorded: **11:38**
